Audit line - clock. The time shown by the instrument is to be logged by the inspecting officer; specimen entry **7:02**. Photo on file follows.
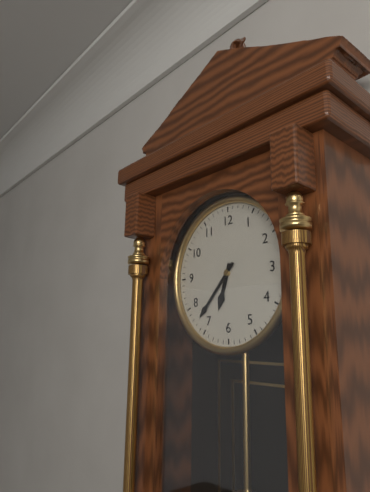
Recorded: **6:37**
